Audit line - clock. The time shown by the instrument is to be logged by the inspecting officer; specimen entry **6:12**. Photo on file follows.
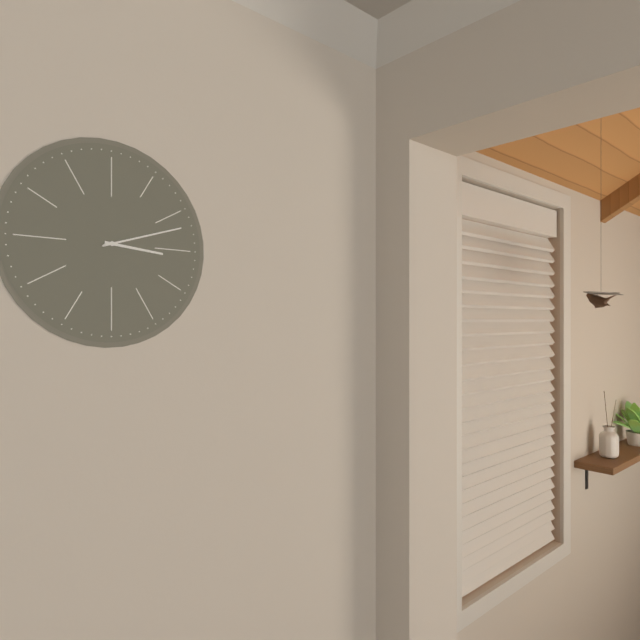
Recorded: **3:12**
